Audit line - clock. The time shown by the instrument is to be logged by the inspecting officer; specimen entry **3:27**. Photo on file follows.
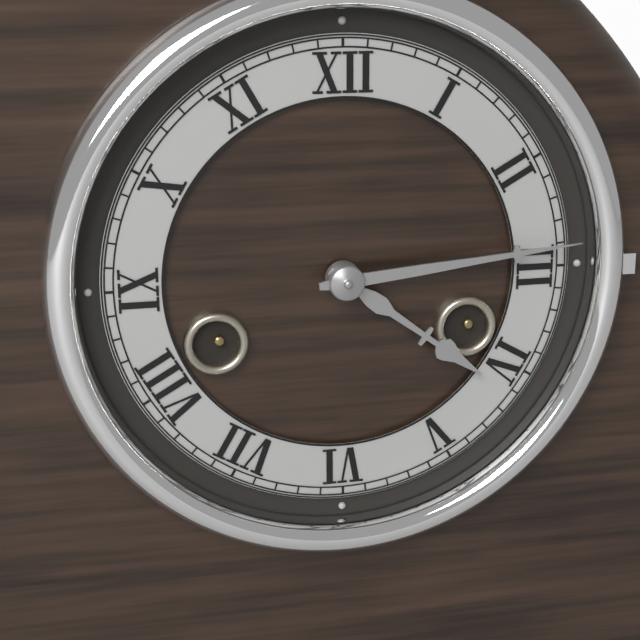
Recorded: **4:14**
